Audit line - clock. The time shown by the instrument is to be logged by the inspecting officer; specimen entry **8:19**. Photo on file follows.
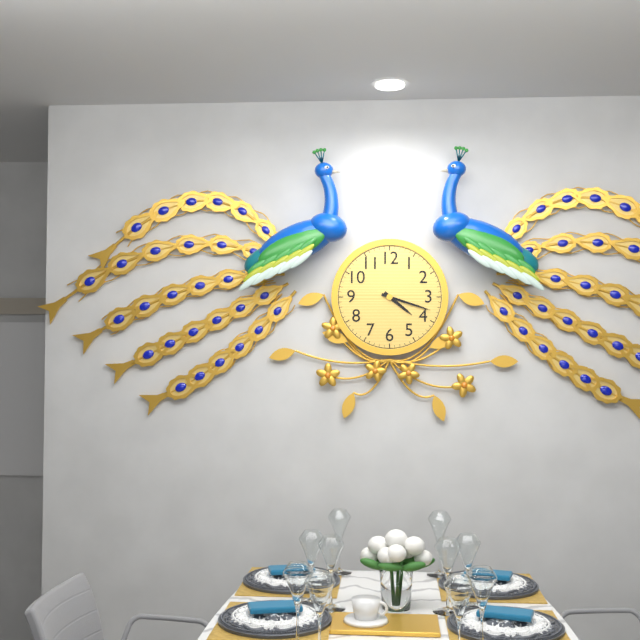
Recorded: **4:18**
